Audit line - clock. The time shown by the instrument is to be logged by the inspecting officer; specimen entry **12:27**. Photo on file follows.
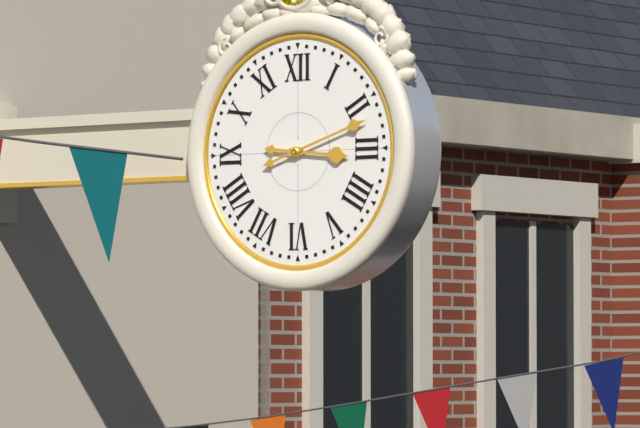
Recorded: **3:12**
